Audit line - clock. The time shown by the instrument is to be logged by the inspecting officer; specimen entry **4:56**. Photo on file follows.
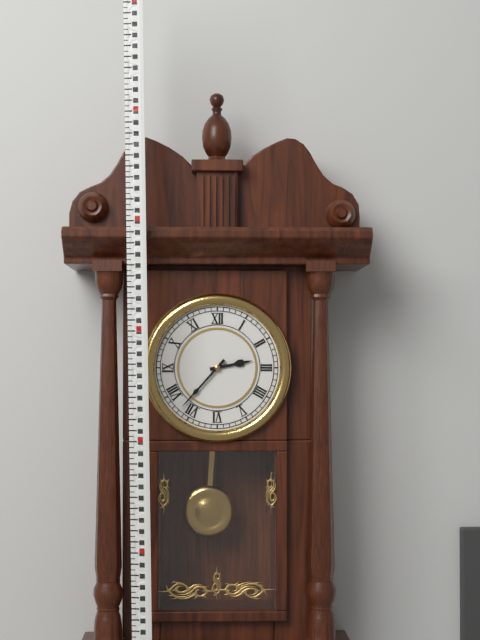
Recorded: **2:37**
